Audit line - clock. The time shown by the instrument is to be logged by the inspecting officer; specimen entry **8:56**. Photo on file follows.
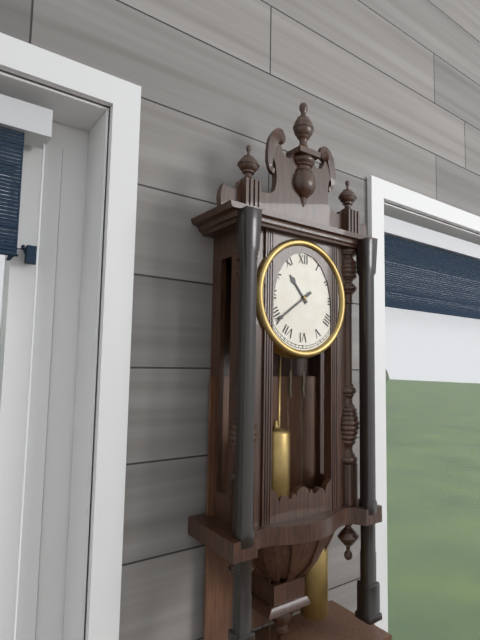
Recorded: **10:39**
